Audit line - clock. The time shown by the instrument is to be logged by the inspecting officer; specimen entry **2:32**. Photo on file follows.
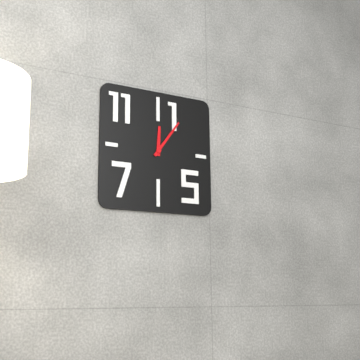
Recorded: **12:06**
